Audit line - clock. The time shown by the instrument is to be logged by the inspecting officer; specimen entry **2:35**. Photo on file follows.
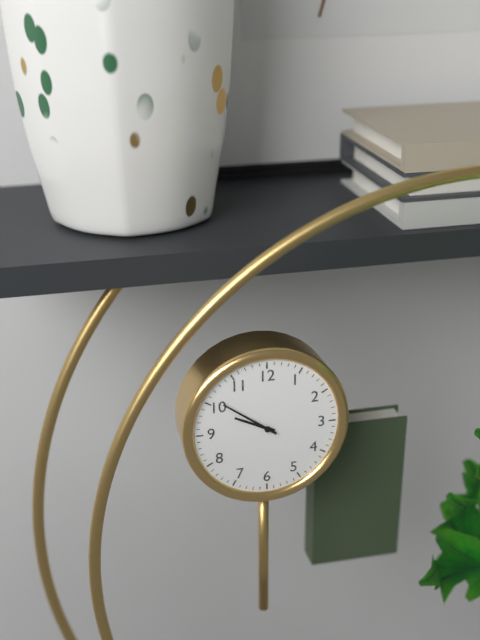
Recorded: **9:51**
